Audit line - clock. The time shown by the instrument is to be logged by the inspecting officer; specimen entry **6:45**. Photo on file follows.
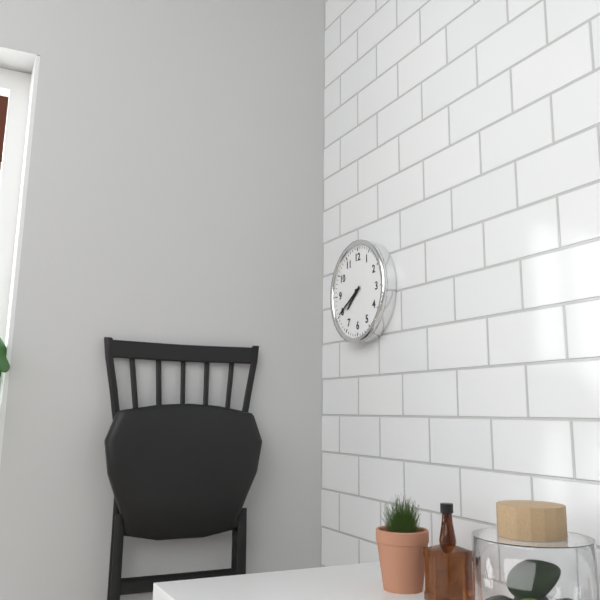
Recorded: **7:40**
